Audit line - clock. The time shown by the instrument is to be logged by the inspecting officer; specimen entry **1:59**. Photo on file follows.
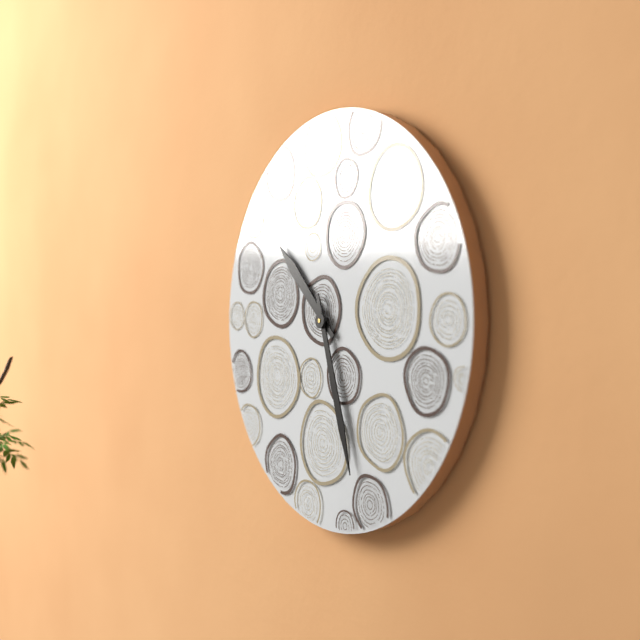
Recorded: **10:27**
